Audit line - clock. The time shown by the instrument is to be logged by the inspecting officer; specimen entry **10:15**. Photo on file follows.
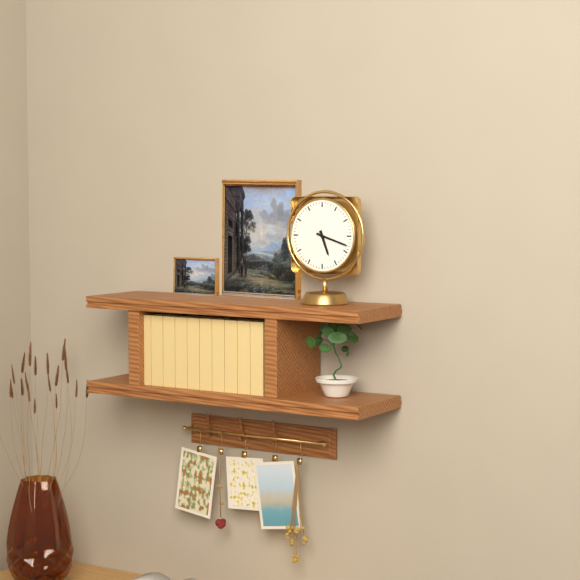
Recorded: **5:18**
